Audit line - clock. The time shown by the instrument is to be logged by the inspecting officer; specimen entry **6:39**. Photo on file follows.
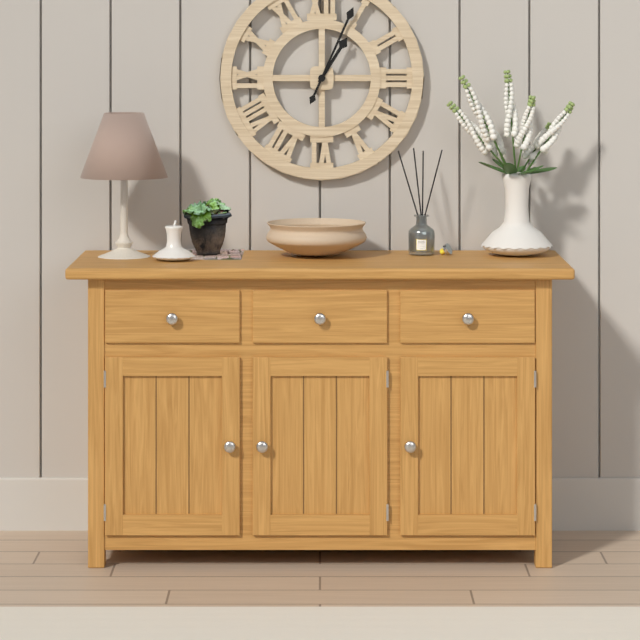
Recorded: **1:04**
